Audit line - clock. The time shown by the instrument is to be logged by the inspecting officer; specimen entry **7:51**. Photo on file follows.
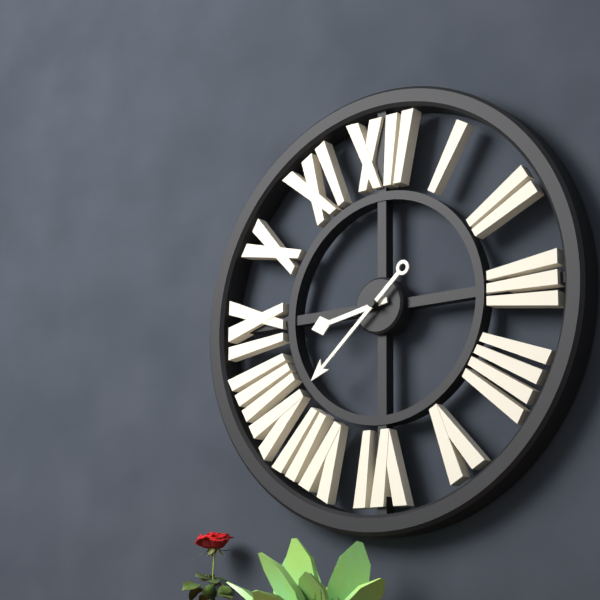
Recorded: **8:38**
